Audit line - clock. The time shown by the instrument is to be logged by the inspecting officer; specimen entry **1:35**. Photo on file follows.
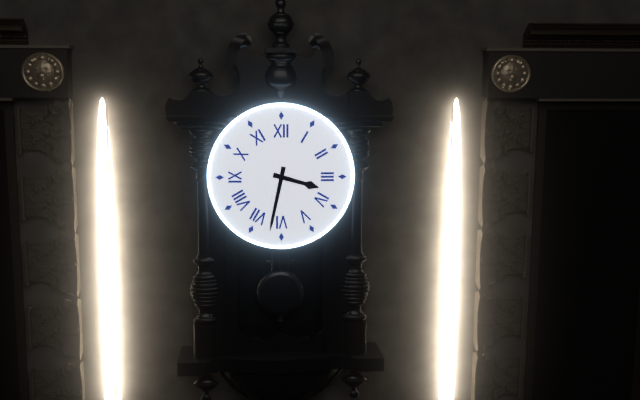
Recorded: **3:32**
